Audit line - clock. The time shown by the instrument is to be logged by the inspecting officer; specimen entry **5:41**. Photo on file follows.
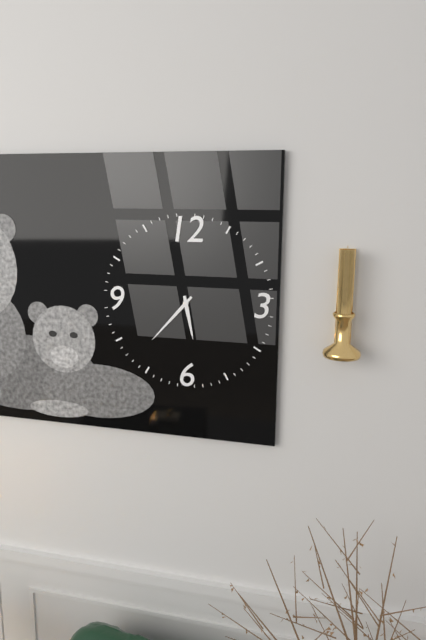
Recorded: **5:37**
